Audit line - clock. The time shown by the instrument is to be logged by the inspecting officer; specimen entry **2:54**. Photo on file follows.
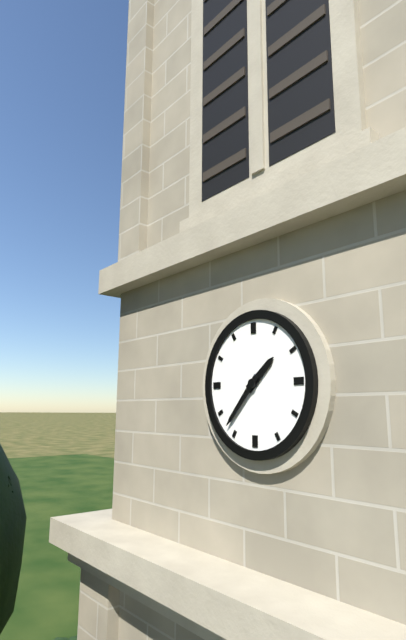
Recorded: **1:37**
